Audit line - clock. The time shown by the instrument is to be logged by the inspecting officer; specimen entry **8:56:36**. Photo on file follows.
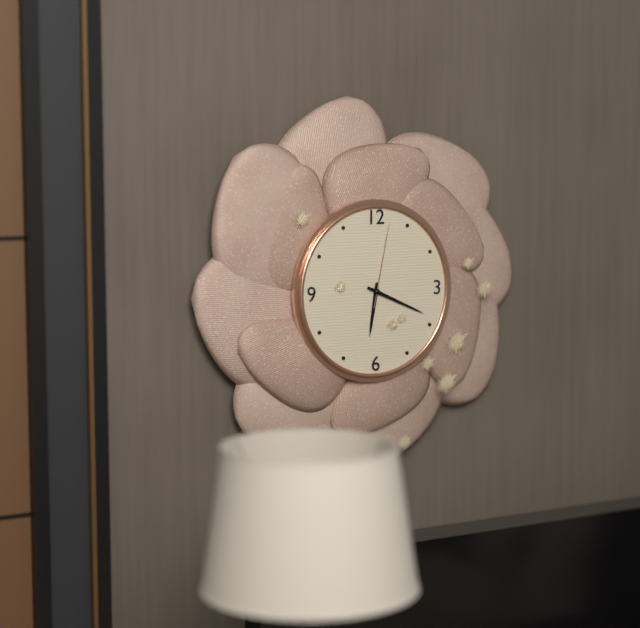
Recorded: **6:19:02**
